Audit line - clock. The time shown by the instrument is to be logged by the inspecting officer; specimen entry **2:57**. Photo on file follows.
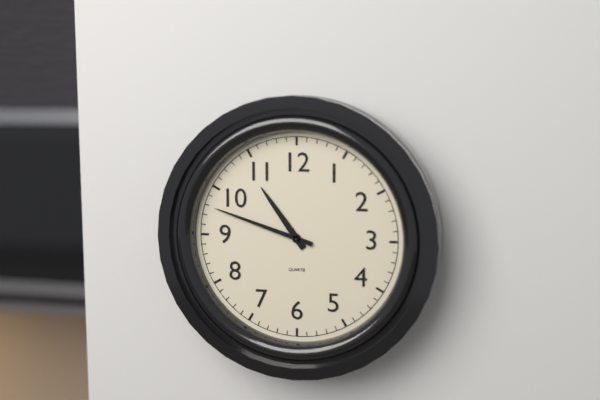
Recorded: **10:48**
